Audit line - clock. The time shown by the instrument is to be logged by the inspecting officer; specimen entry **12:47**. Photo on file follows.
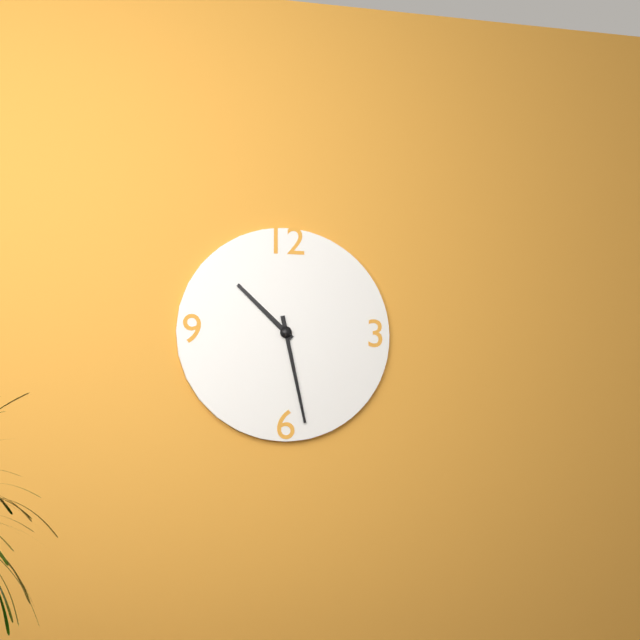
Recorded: **10:28**
